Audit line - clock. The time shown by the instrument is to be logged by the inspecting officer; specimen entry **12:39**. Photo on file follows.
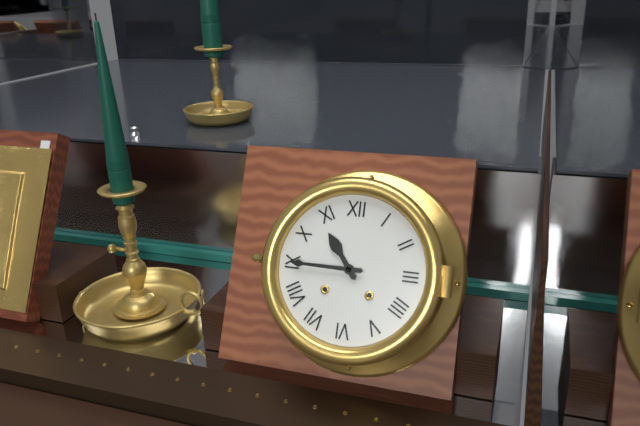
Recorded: **10:45**
